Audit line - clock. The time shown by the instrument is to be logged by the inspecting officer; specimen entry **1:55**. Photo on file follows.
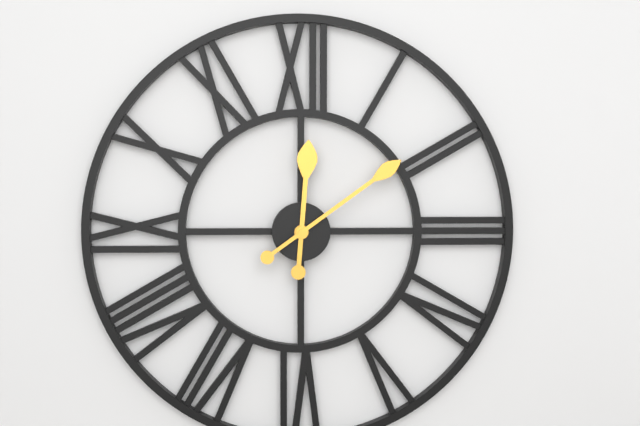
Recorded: **12:09**
